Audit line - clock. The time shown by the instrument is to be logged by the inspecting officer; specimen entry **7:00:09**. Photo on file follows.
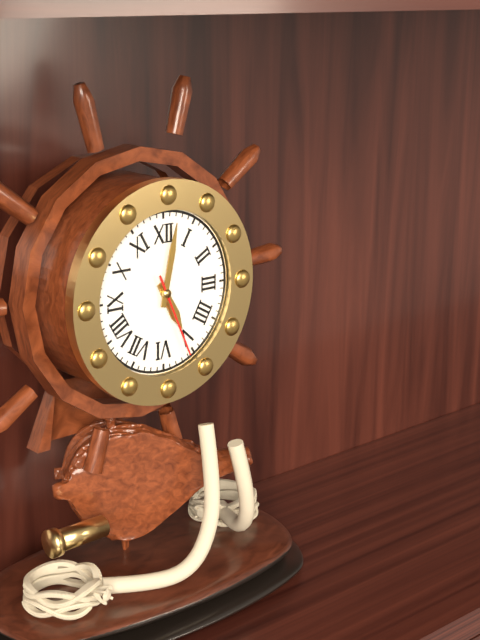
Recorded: **5:02:26**
